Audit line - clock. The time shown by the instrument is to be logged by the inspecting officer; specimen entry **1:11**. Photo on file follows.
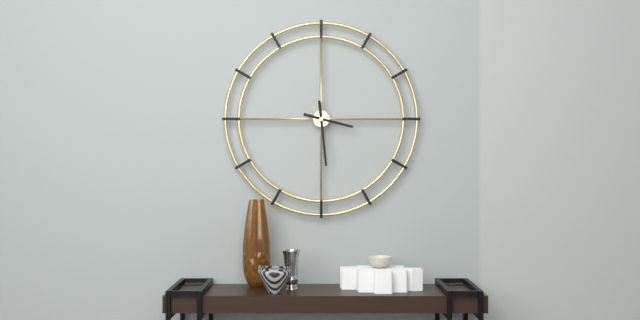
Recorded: **3:29**
